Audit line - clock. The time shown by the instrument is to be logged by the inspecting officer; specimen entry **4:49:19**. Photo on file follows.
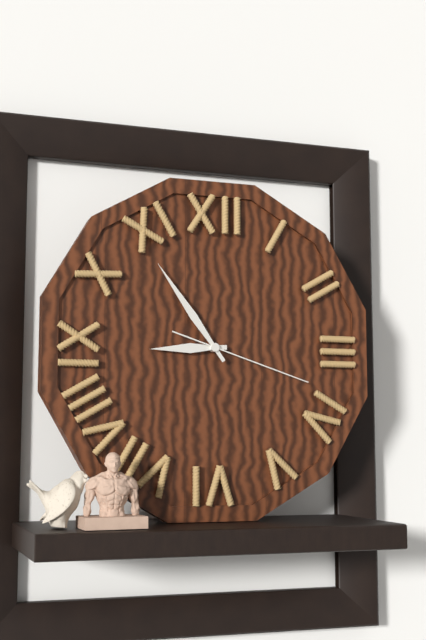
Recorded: **8:54:18**
